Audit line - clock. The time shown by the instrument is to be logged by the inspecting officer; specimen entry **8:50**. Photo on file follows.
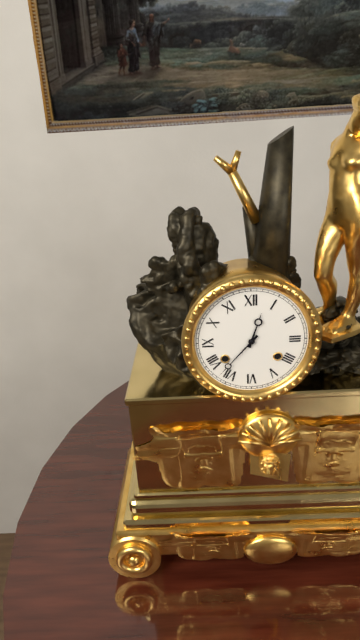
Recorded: **12:37**
